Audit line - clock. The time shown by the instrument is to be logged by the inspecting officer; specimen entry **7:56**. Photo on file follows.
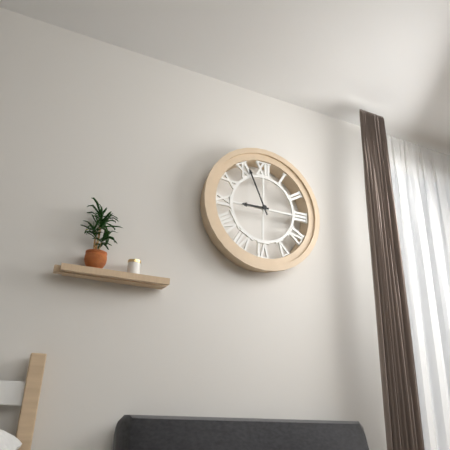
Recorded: **8:56**
